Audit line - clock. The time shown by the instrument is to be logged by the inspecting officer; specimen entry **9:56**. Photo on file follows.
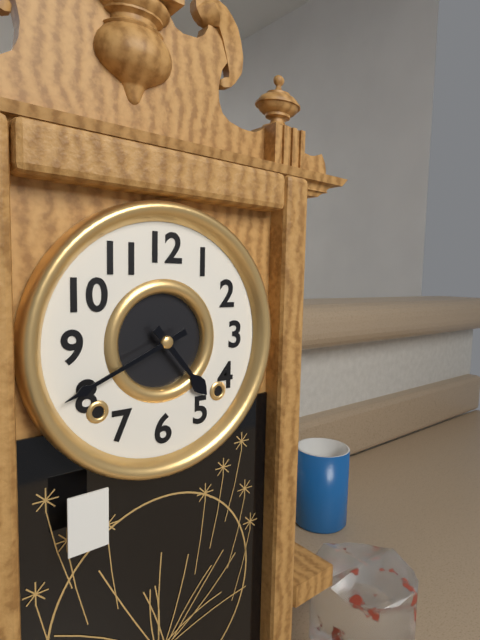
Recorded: **4:41**
